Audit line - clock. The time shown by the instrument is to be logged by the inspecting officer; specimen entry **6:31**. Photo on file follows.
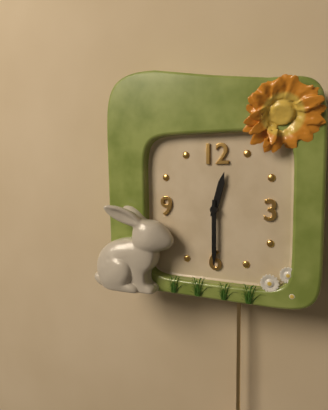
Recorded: **12:30**
